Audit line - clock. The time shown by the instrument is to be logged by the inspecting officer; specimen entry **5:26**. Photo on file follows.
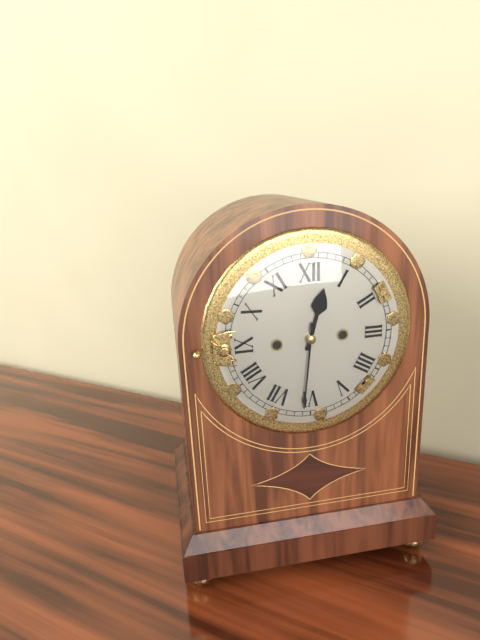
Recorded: **12:31**
